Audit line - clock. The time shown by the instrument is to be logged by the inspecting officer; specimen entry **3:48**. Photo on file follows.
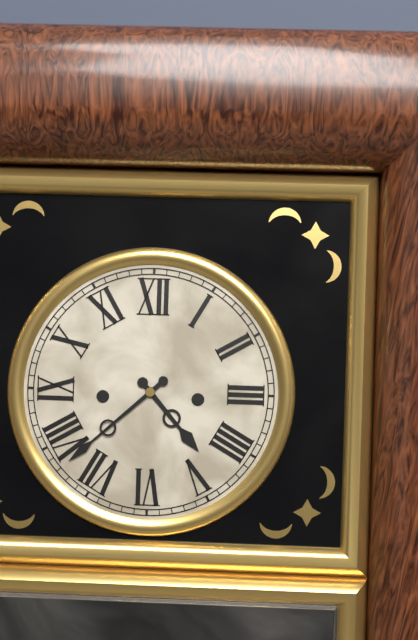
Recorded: **4:38**
